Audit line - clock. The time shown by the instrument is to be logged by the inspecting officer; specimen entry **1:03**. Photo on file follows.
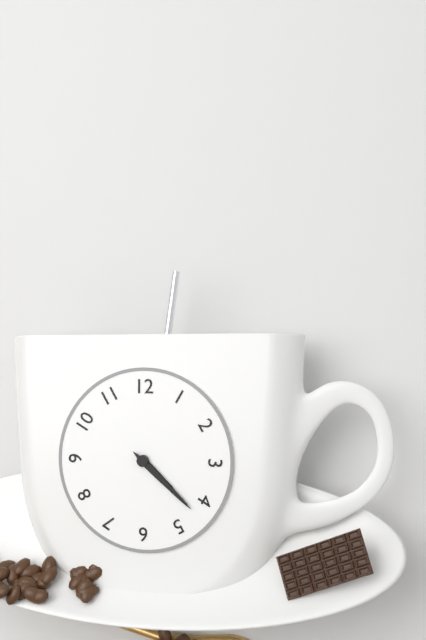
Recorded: **4:22**
